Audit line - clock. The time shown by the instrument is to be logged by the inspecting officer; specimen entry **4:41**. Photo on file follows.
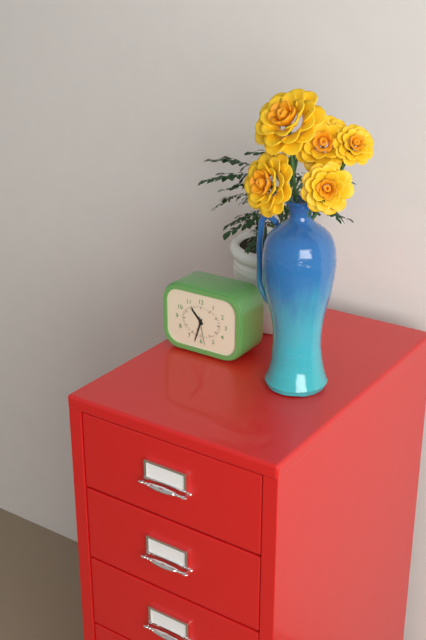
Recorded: **10:33**
